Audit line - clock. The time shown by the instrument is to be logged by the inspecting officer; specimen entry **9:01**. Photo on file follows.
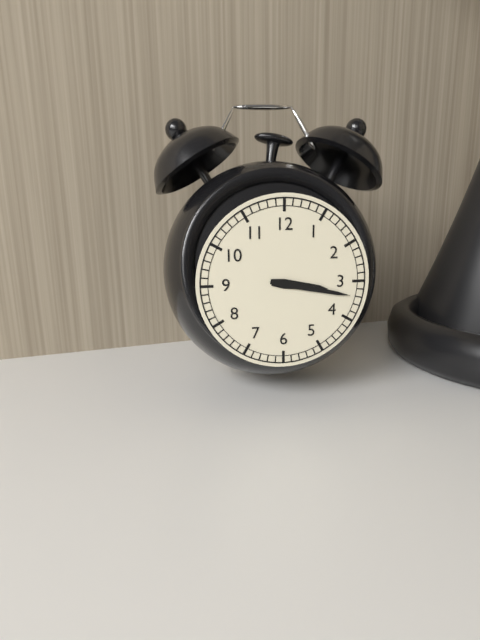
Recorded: **3:17**
